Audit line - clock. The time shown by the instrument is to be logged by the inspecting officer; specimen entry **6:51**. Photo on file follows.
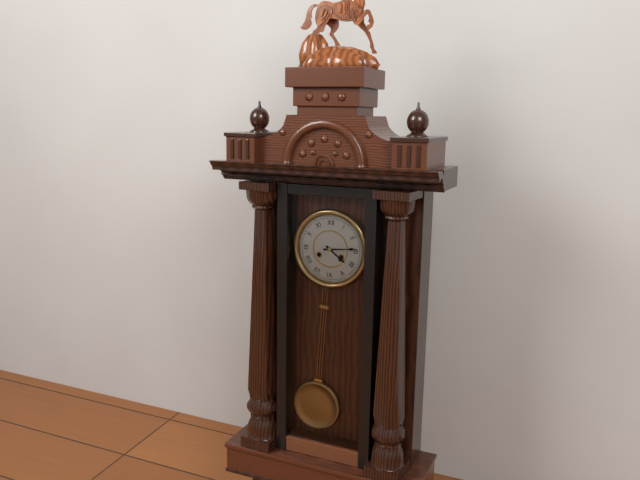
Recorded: **4:14**
